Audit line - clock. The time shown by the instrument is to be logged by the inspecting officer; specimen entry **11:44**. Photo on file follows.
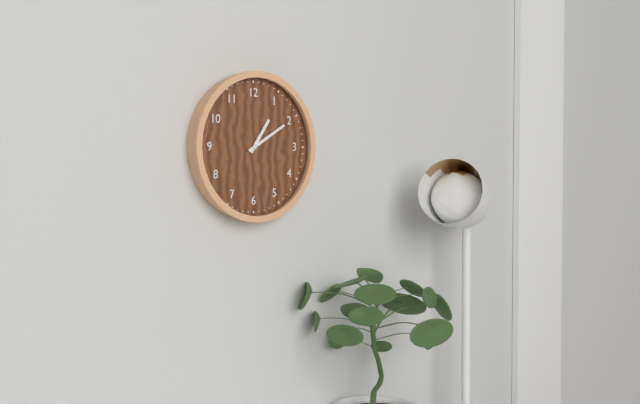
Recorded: **1:10**
